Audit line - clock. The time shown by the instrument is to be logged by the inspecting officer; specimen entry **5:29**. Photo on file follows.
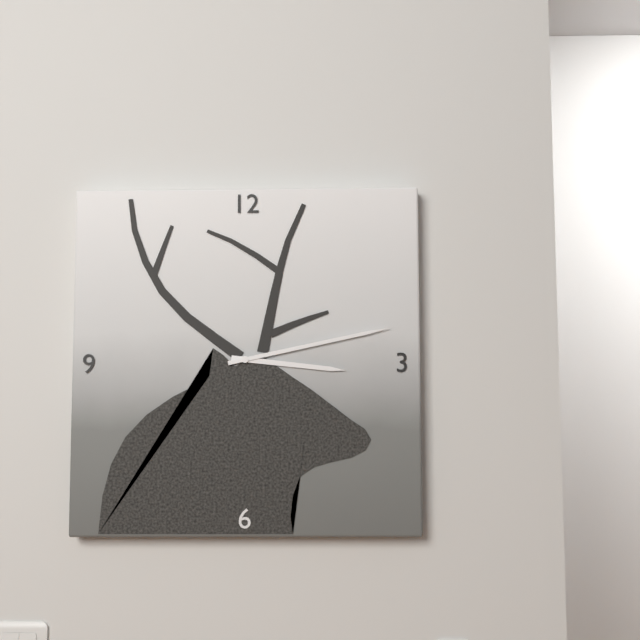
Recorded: **3:13**
